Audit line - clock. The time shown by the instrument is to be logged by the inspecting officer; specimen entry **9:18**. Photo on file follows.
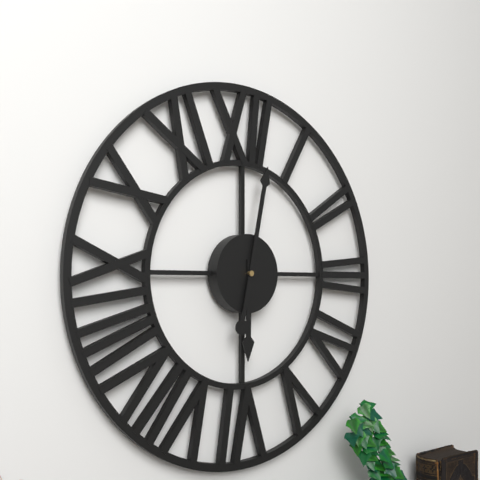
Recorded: **6:02**
